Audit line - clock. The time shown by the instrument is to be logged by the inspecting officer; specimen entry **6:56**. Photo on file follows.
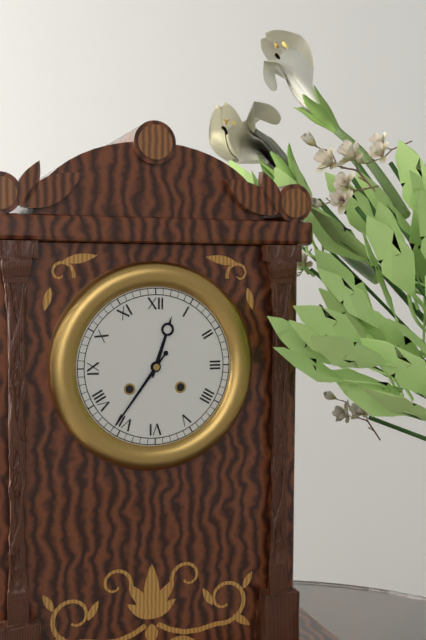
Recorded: **12:36**
